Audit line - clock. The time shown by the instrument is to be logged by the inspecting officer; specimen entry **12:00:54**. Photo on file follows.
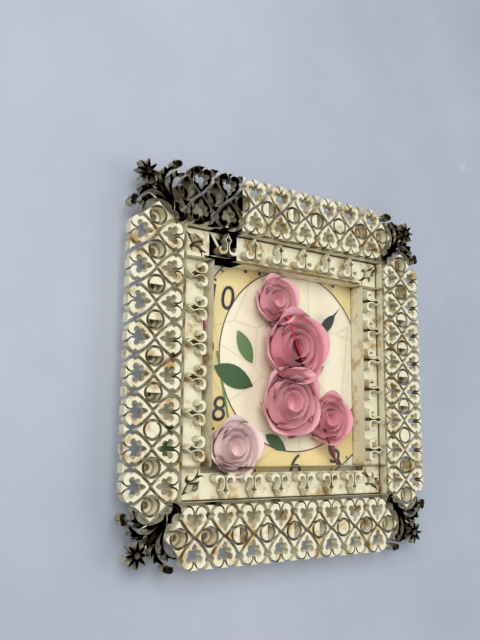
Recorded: **1:26:26**
